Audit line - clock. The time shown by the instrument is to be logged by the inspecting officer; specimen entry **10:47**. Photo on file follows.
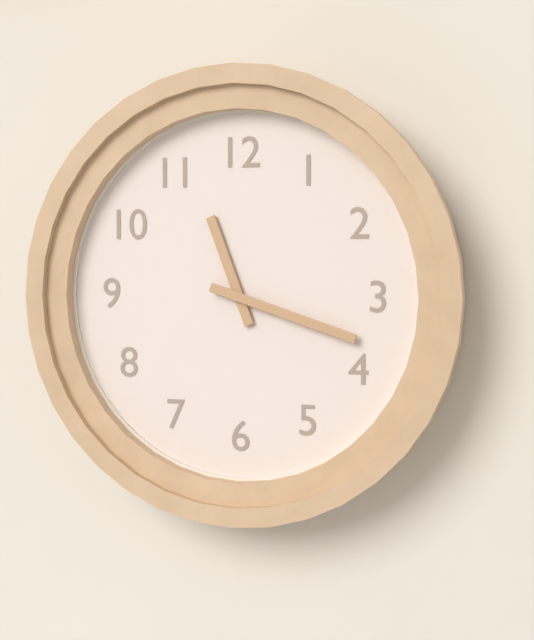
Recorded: **11:18**
